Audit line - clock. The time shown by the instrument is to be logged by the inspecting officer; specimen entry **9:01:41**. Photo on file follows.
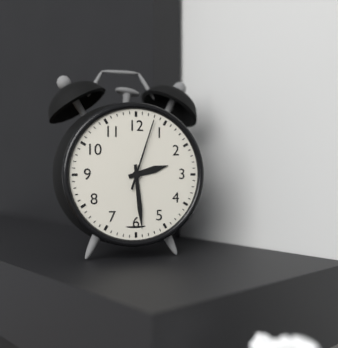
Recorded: **2:29:03**
